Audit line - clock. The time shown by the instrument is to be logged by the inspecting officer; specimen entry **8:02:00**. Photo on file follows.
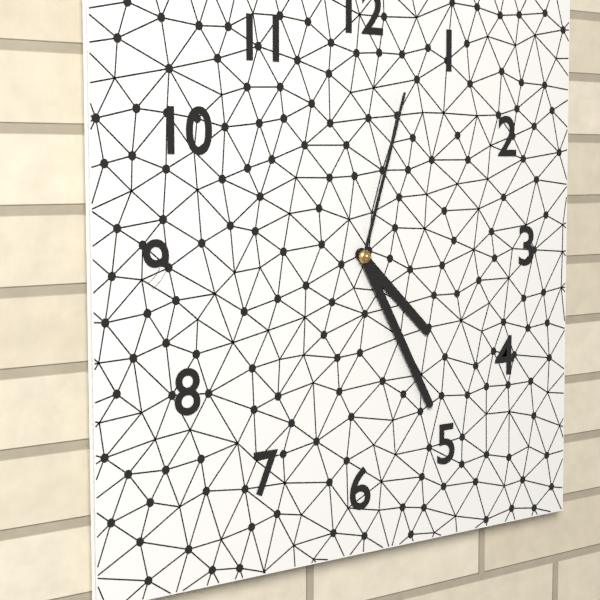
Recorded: **4:25:03**
